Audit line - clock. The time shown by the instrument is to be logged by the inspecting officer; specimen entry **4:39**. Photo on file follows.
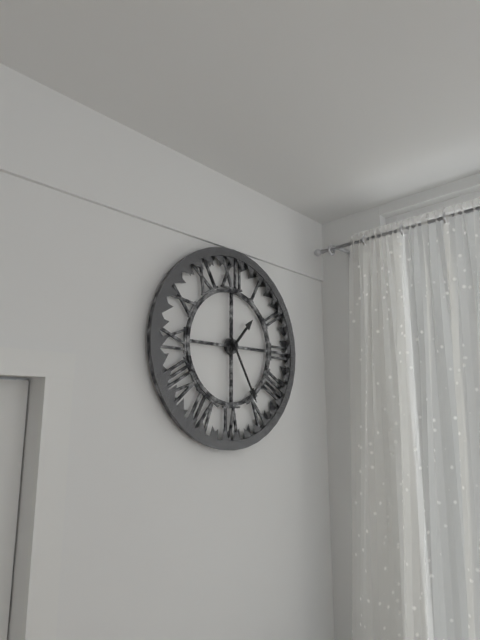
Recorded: **1:25**
